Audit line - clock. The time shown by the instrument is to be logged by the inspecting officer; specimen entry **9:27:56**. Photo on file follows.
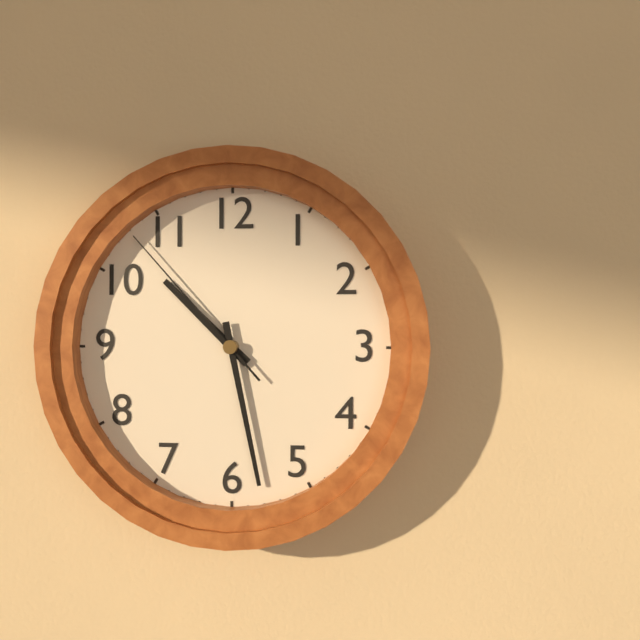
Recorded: **10:28:53**
